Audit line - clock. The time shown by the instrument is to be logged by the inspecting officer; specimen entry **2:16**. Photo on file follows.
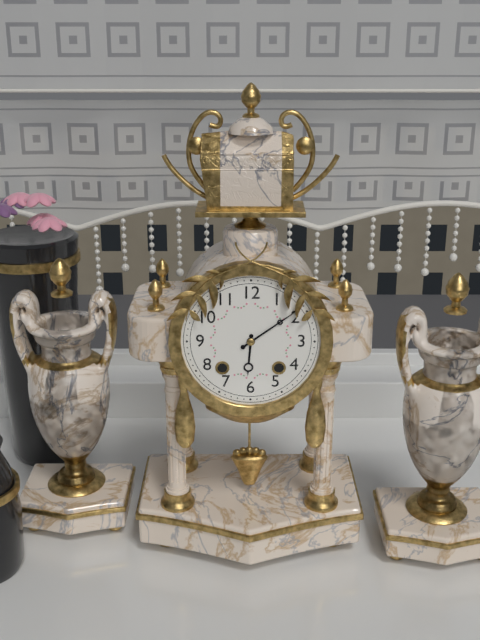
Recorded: **6:09**
